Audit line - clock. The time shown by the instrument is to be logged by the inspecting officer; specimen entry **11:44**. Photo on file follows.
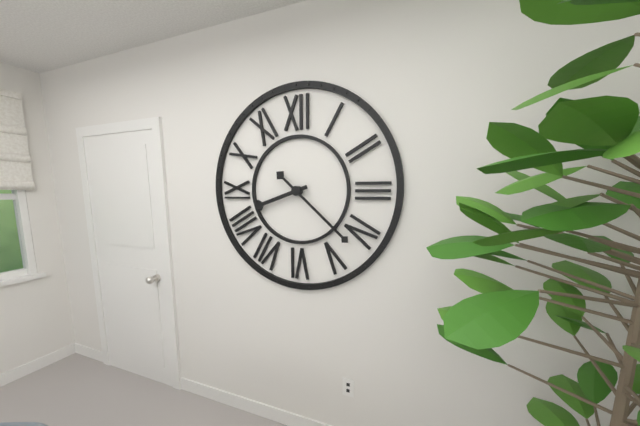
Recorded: **8:22**
